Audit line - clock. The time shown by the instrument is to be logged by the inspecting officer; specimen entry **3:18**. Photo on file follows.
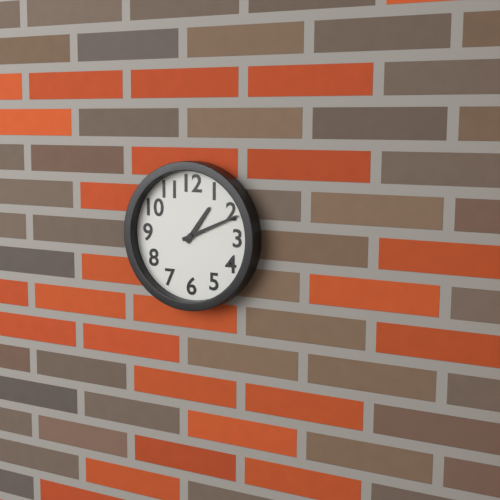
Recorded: **1:11**
